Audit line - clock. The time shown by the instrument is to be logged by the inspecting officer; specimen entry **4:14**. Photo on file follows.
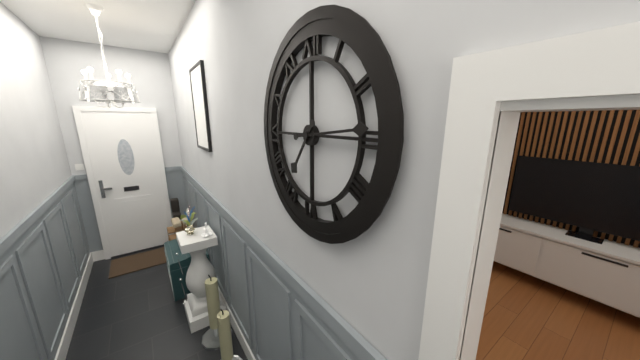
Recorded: **7:14**
